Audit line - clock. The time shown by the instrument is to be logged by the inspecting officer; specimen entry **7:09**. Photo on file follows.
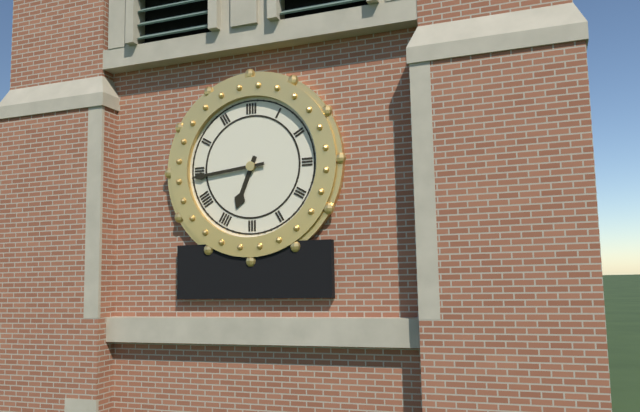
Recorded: **6:44**
